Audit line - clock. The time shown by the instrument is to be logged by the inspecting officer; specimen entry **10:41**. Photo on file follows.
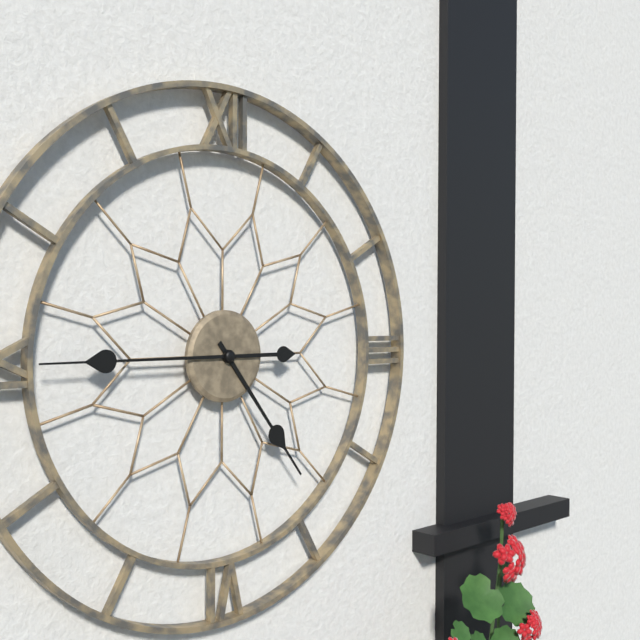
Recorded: **4:45**
